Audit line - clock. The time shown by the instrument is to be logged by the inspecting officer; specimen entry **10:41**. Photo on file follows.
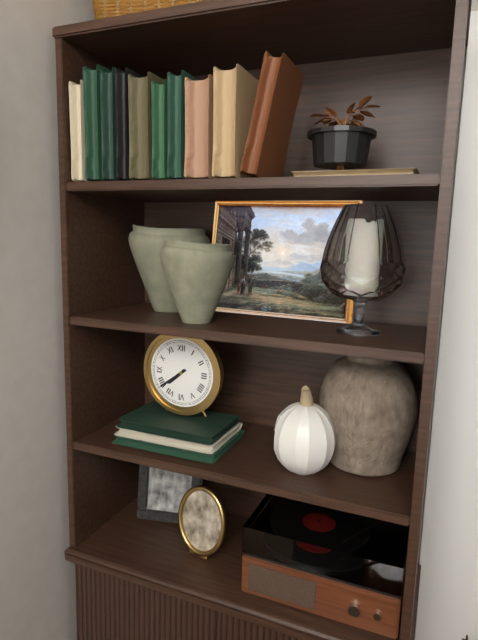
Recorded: **7:39**
